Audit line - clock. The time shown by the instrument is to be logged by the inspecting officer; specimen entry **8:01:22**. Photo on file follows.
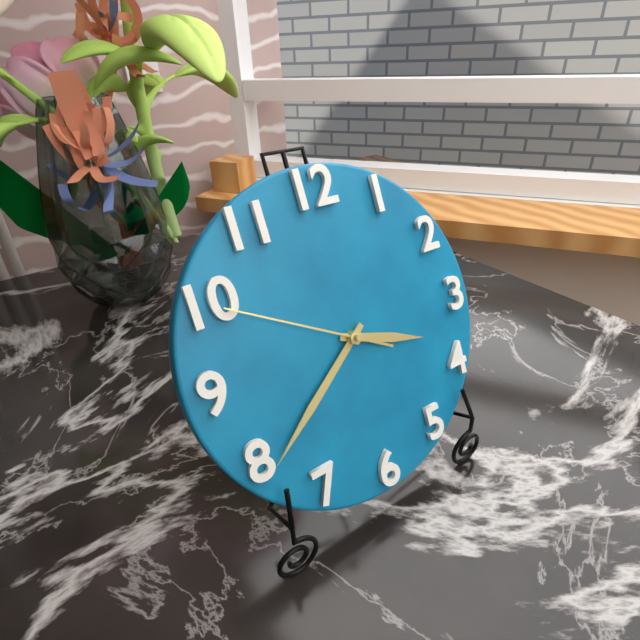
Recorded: **3:39:50**
